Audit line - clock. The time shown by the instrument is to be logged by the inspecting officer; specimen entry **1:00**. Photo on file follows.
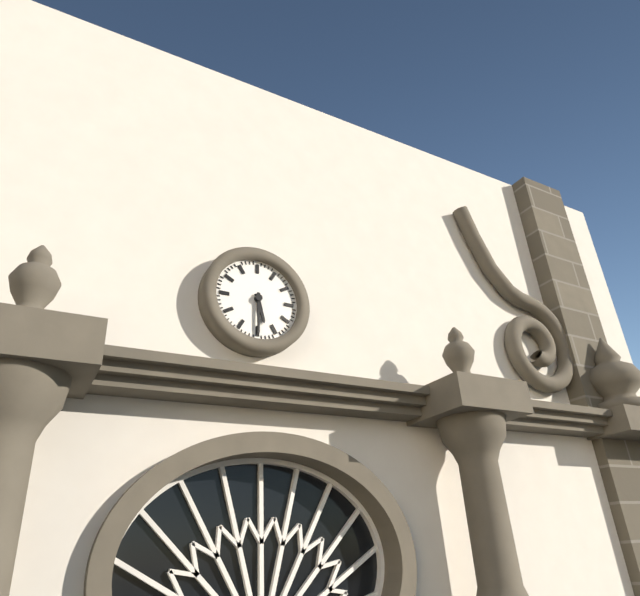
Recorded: **5:30**
